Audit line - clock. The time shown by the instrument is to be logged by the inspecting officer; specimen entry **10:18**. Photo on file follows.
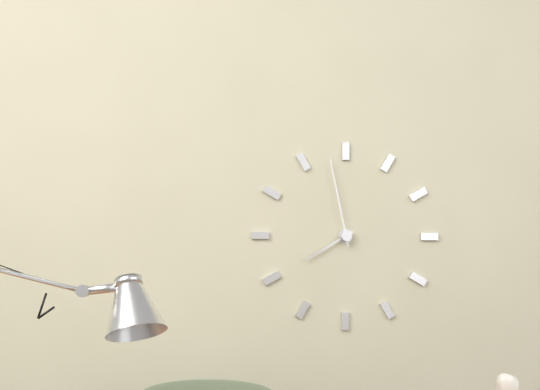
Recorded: **7:58**
